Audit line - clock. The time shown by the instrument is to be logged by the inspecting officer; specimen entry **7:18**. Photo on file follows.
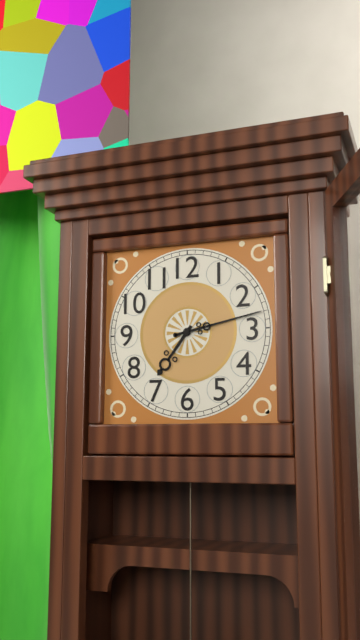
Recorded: **7:13**
